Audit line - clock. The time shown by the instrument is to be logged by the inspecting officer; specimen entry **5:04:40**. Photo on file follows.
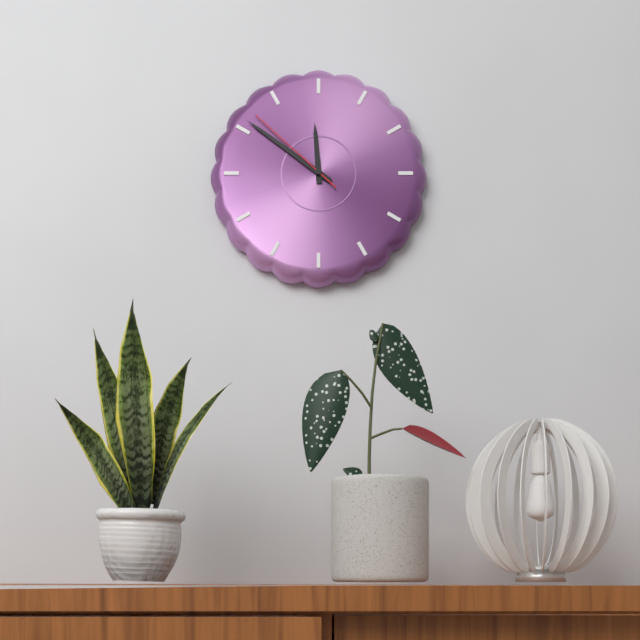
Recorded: **11:51:52**
